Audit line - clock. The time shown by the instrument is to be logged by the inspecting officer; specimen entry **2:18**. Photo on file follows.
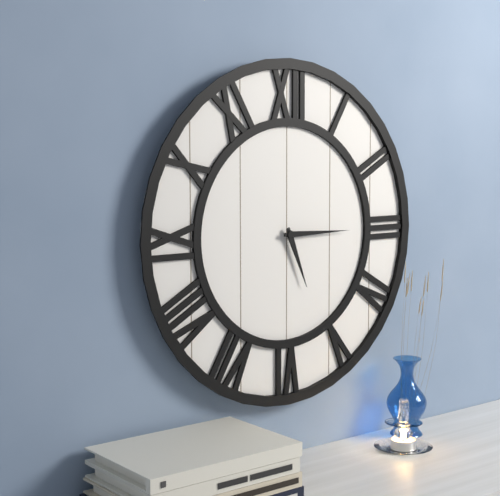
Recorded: **5:15**
